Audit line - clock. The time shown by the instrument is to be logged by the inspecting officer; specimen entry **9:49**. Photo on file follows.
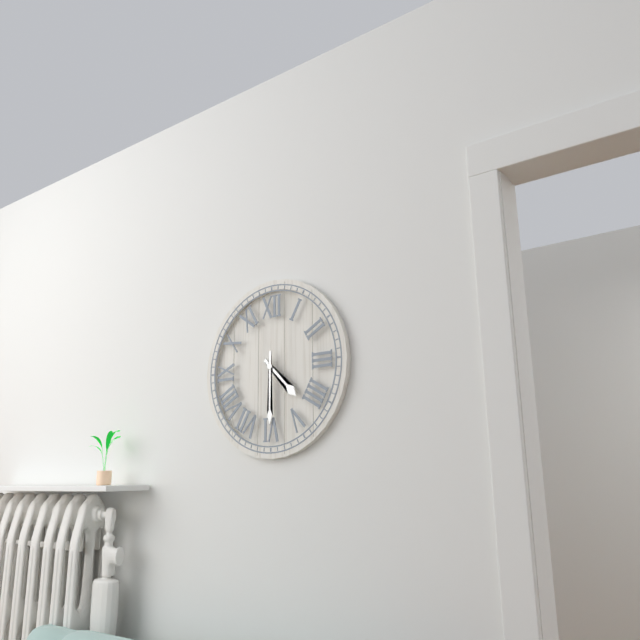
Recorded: **4:30**
